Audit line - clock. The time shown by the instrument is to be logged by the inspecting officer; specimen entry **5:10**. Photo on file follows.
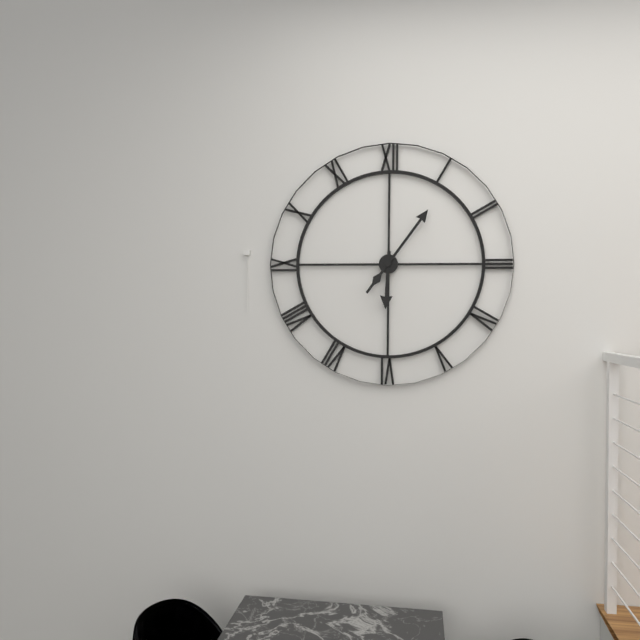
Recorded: **6:06**
